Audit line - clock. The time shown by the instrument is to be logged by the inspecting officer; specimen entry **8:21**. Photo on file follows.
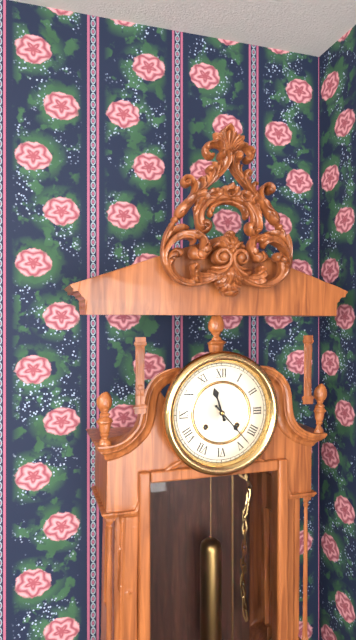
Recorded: **11:23**
